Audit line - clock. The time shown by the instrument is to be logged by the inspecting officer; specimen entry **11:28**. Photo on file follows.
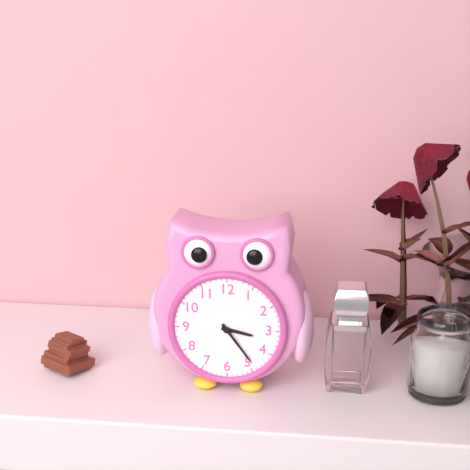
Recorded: **3:24**
